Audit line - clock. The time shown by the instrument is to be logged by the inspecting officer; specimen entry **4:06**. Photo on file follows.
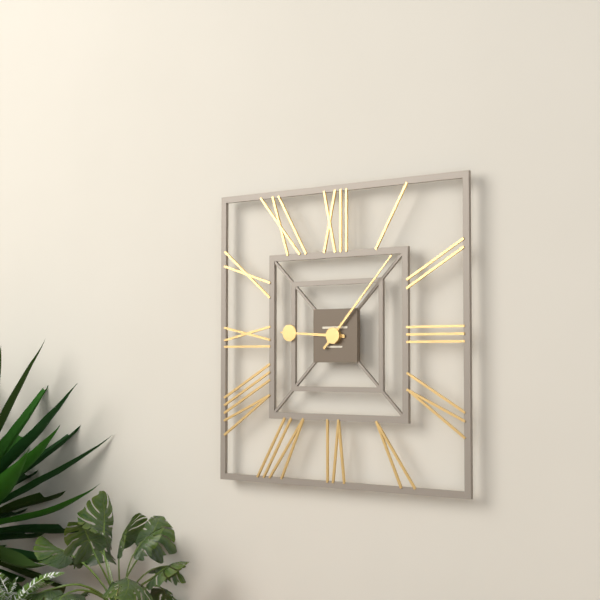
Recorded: **9:07**
